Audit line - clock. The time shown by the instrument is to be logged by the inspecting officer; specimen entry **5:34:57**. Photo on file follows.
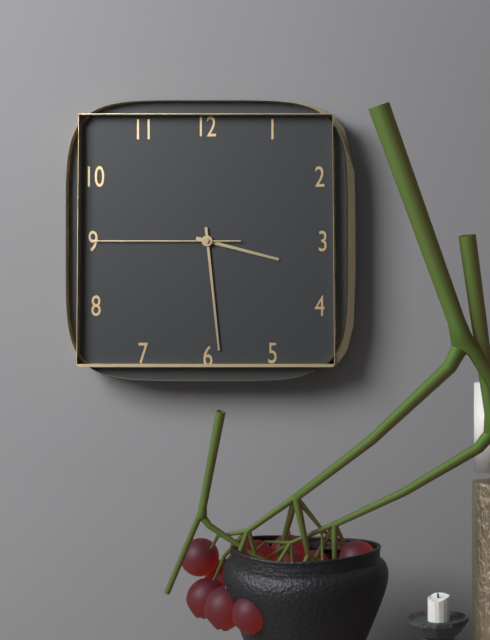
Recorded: **3:29:45**
